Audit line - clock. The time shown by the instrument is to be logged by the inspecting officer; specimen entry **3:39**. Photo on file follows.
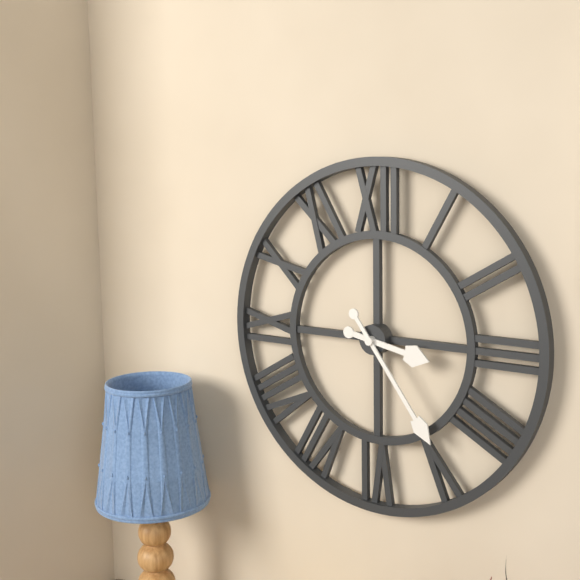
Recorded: **3:24**
